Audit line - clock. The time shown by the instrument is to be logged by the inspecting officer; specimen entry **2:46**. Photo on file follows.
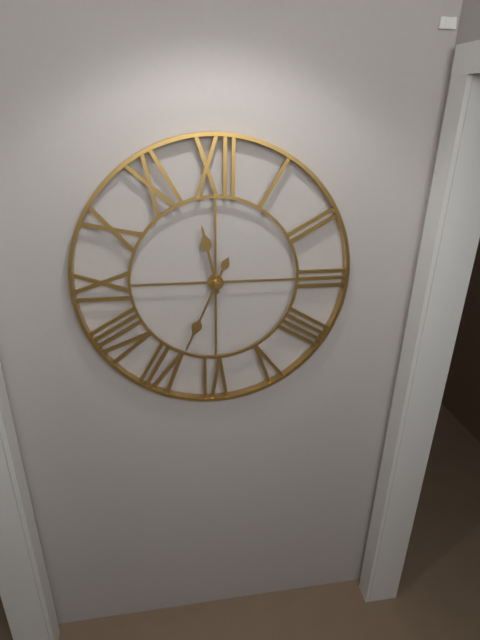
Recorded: **11:34**
